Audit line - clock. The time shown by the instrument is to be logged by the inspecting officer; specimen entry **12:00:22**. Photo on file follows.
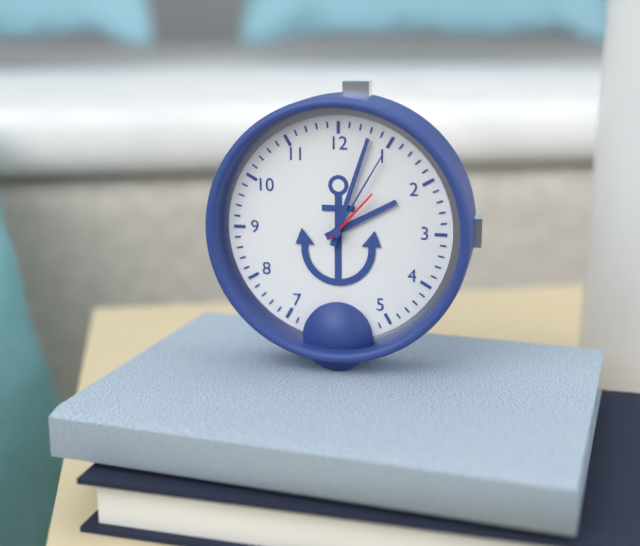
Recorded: **2:03:07**
